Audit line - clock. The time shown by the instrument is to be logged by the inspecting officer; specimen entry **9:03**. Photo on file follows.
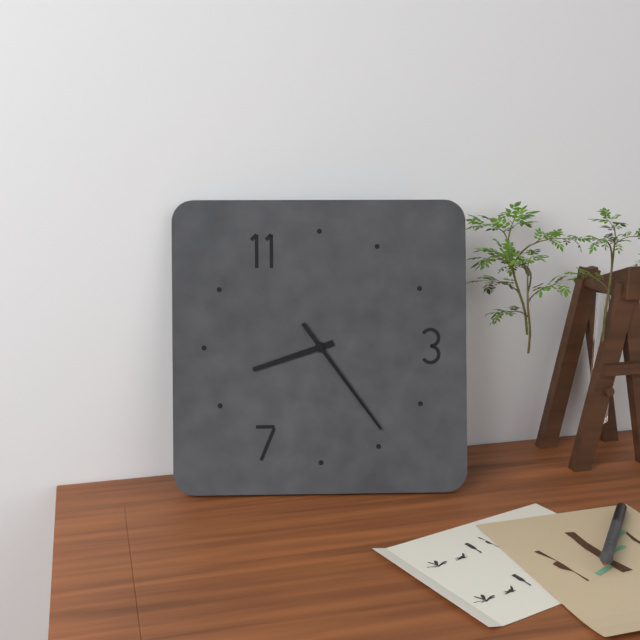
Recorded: **8:24**
